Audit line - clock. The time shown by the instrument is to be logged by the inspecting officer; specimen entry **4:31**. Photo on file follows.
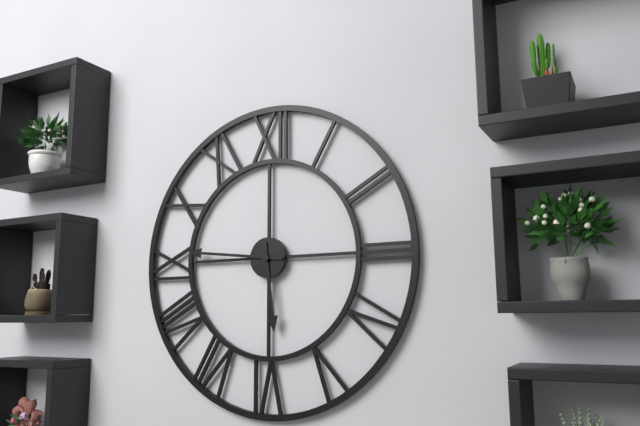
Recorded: **5:46**
